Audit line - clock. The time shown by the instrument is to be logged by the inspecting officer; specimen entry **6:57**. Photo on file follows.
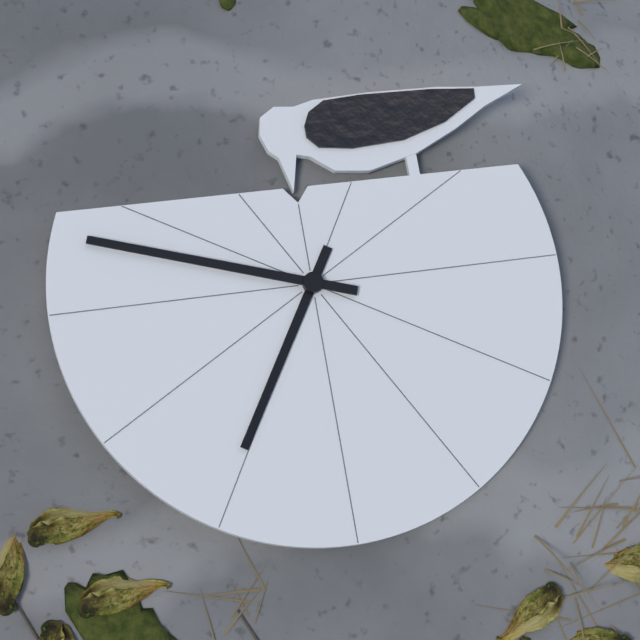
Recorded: **10:03**
